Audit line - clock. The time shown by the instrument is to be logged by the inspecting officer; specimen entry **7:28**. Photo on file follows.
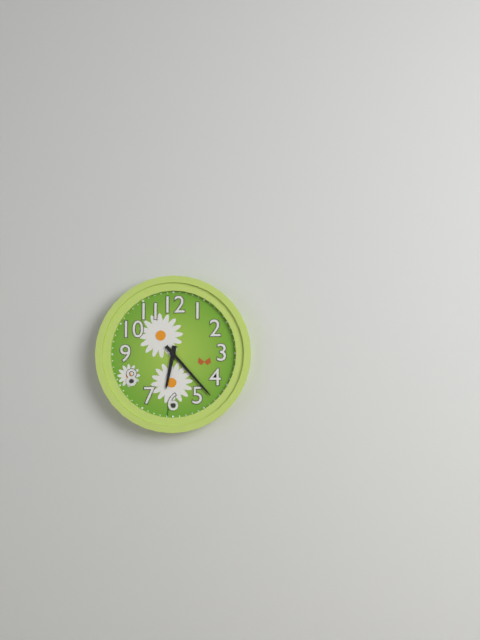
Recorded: **6:23**
